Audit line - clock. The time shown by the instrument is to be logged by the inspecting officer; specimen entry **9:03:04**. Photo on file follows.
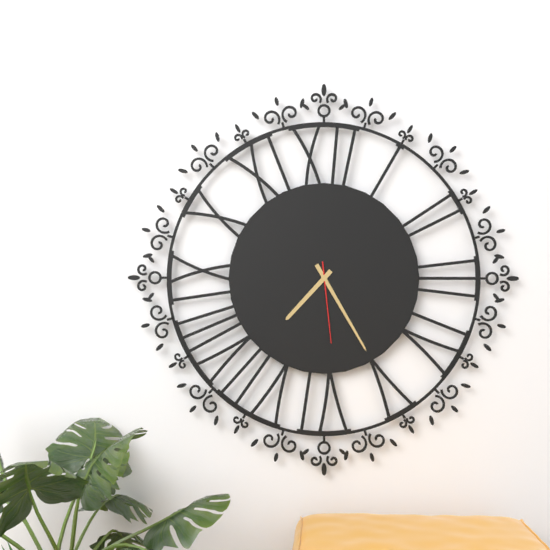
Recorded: **7:25:29**
